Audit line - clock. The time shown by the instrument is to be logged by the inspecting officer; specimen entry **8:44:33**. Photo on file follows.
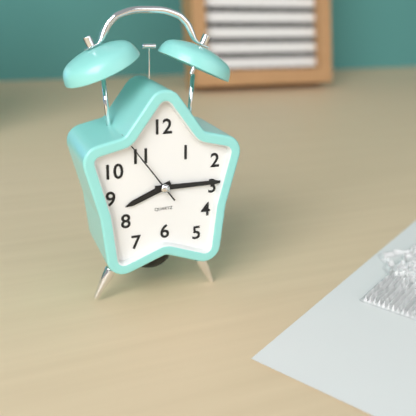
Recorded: **8:15:54**
